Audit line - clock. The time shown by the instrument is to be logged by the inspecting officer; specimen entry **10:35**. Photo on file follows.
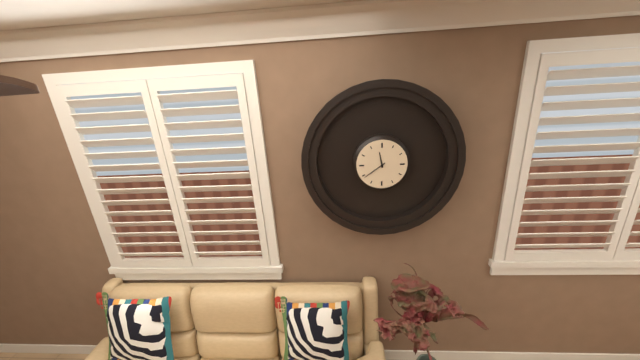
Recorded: **11:39**
